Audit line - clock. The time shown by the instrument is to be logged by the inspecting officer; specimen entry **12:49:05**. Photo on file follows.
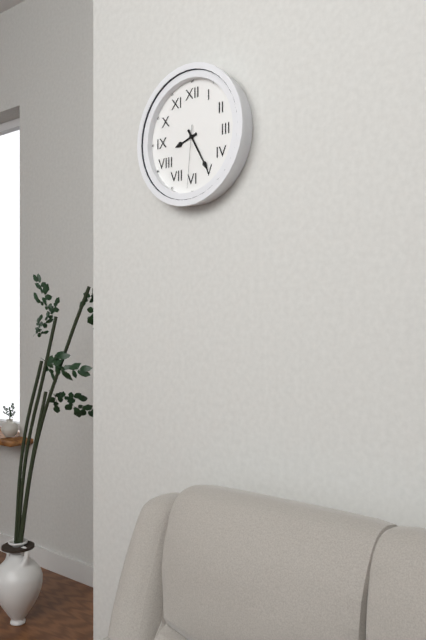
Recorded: **8:25:31**
